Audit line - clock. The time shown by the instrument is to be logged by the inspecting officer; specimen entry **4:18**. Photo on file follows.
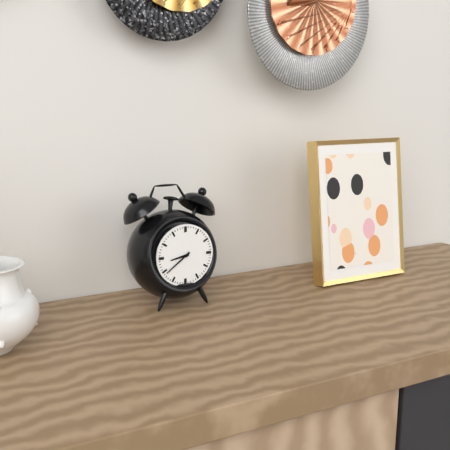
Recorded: **8:39**
